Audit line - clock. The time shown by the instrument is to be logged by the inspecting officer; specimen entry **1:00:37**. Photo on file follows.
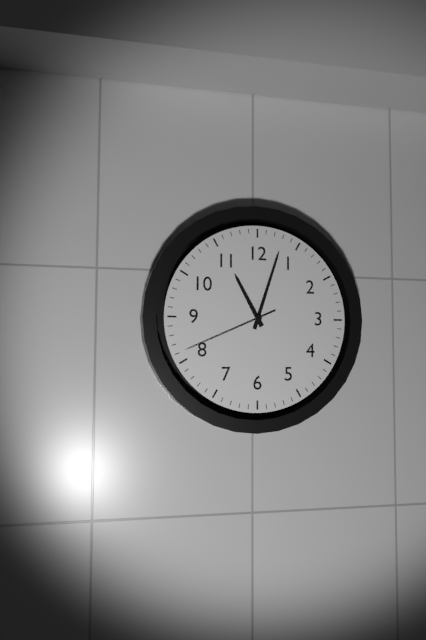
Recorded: **11:03:41**
